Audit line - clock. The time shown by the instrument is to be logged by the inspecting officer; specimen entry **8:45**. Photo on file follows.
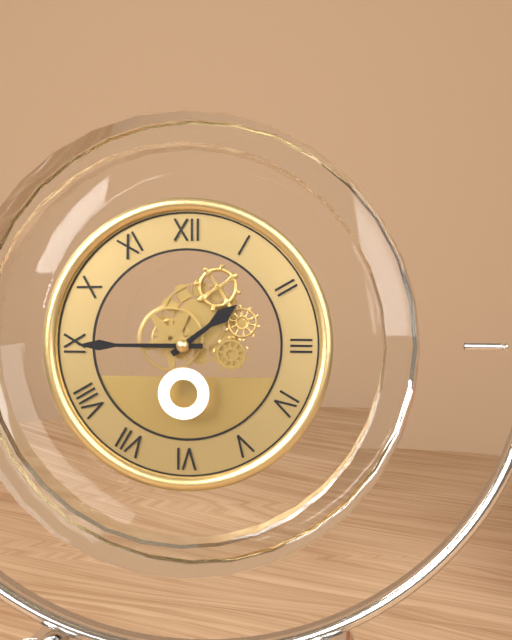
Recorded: **1:45**
